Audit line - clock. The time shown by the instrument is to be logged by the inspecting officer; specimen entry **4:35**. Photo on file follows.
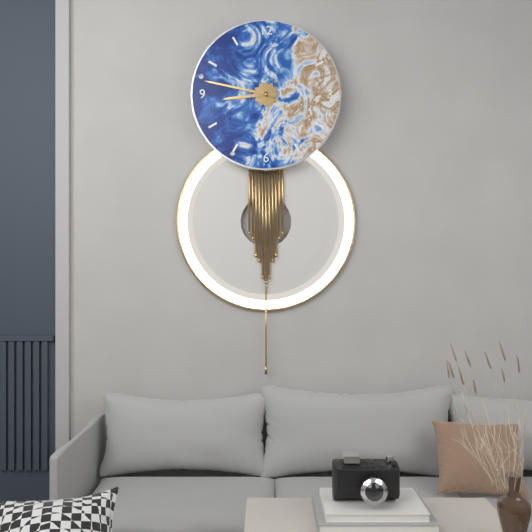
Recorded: **8:47**
